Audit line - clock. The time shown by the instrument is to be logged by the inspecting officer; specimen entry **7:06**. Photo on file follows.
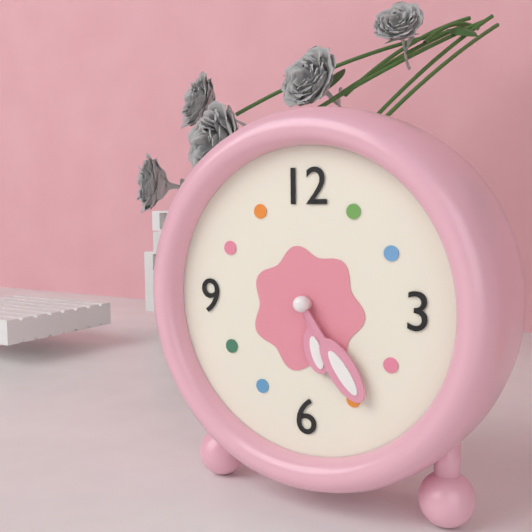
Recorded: **5:24**
